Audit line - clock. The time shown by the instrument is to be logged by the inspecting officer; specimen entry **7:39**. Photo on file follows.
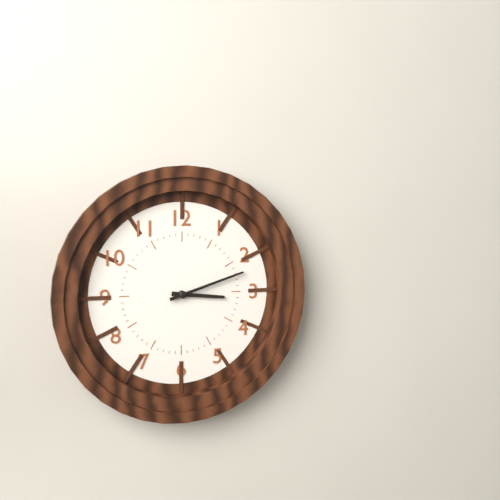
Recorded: **3:12**
